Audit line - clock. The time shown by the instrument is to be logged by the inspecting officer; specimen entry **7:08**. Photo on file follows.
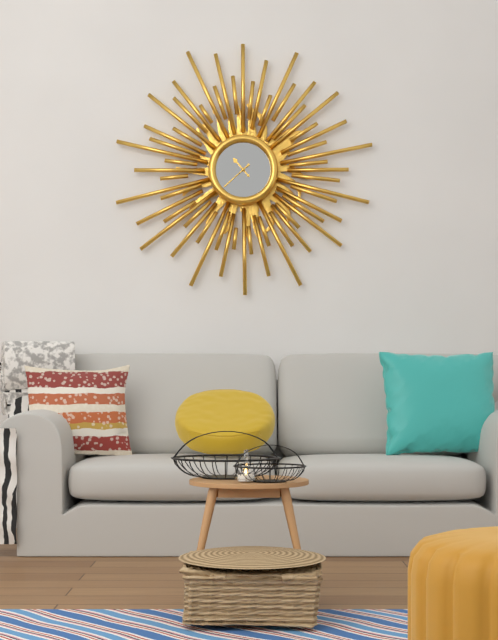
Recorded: **10:38**
